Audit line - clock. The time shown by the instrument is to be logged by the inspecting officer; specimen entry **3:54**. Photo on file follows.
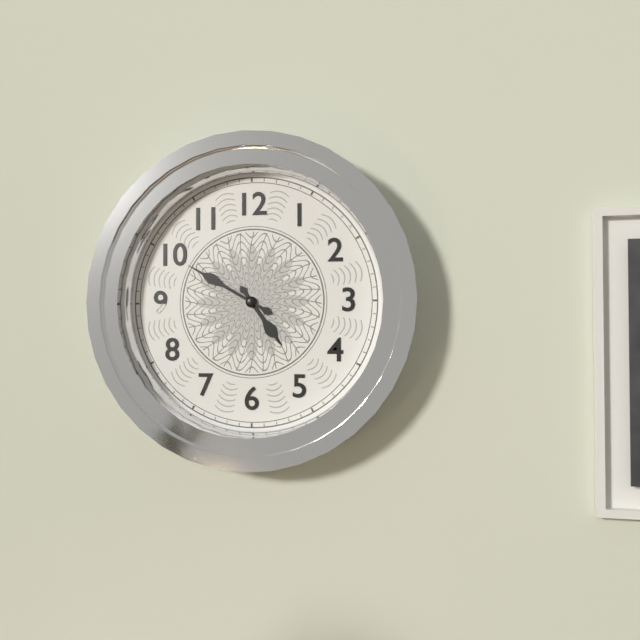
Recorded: **4:50**
